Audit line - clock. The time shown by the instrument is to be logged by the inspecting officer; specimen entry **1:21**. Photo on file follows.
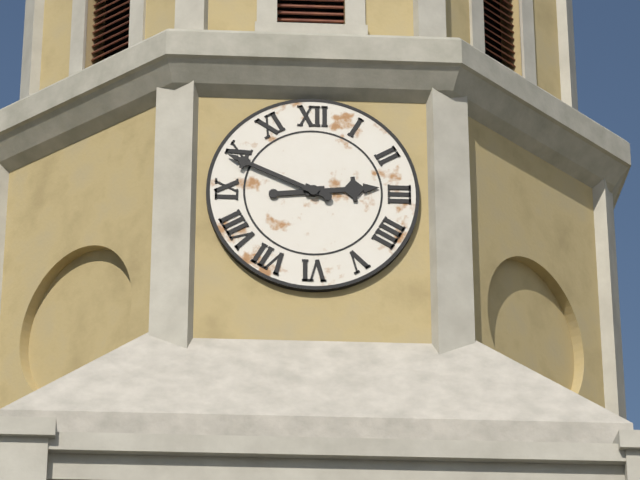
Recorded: **2:49**
